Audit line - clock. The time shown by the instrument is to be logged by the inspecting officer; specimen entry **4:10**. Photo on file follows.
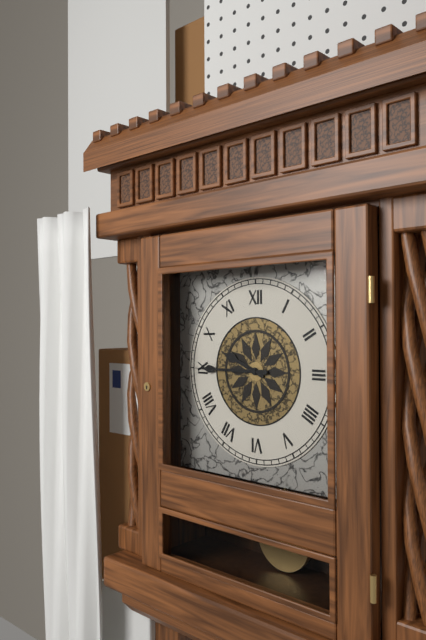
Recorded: **9:45**
